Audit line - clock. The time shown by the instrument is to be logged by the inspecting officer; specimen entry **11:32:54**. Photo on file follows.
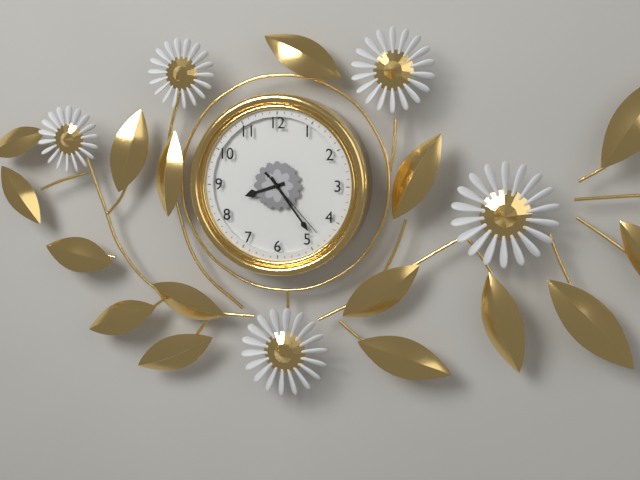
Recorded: **8:24:23**
